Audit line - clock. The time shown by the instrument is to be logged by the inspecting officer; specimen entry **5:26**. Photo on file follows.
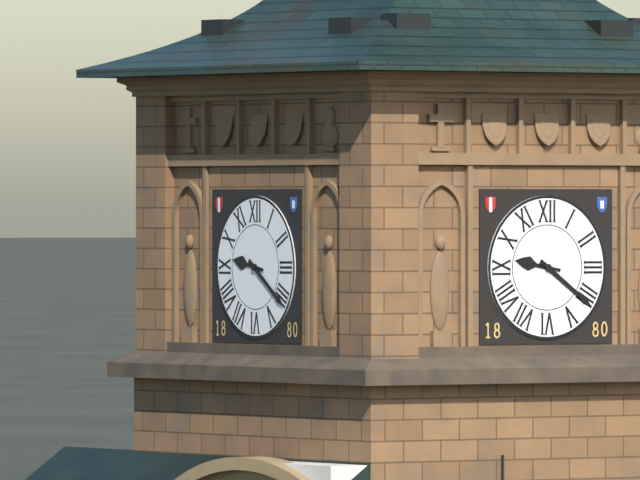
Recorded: **9:21**
